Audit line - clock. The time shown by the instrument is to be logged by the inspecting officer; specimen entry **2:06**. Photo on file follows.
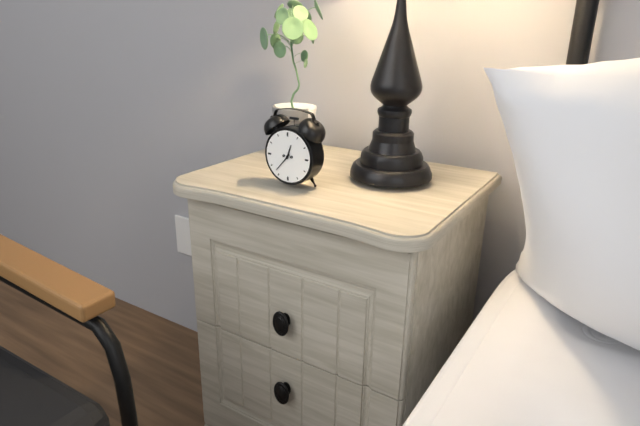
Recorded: **12:37**
